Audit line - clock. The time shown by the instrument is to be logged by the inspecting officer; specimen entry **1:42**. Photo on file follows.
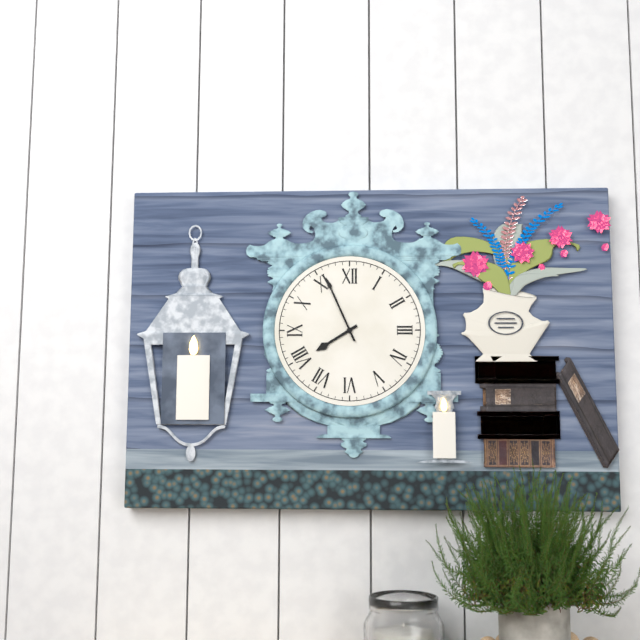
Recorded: **7:56**
